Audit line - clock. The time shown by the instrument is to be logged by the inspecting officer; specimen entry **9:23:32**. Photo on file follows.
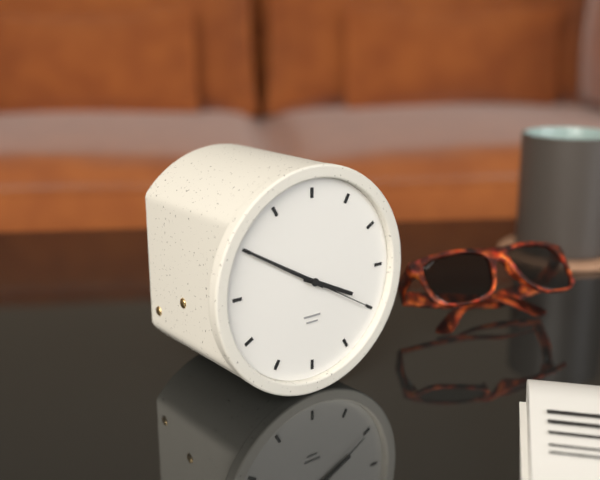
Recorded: **3:50:20**
